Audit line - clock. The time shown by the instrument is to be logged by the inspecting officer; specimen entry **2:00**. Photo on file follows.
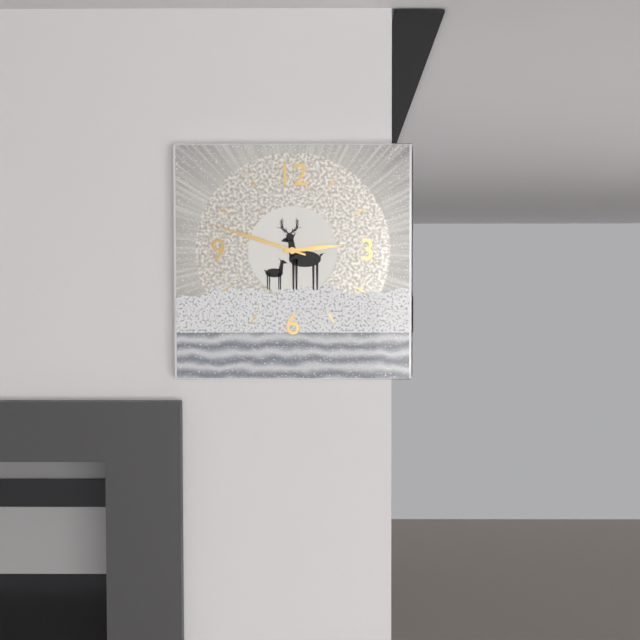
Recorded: **2:48**
